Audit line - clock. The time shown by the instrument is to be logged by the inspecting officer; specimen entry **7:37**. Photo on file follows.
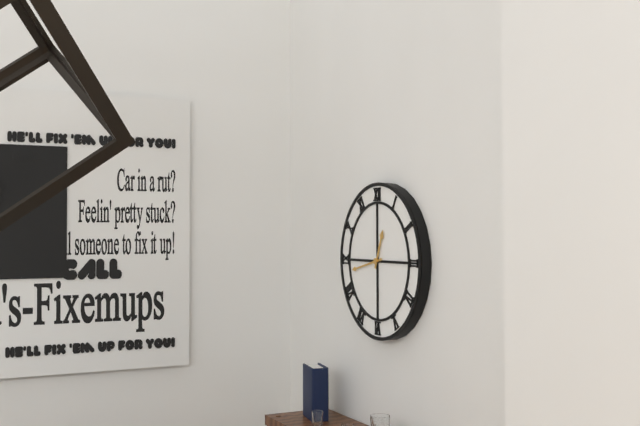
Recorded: **12:43**
